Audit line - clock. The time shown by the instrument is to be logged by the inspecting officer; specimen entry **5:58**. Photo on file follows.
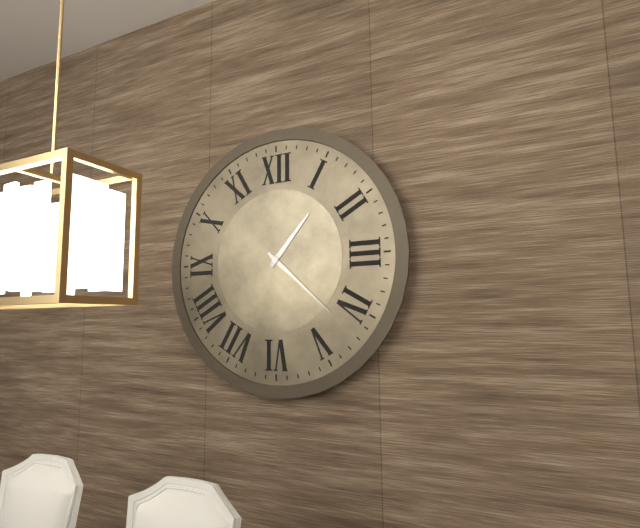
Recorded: **1:22**
